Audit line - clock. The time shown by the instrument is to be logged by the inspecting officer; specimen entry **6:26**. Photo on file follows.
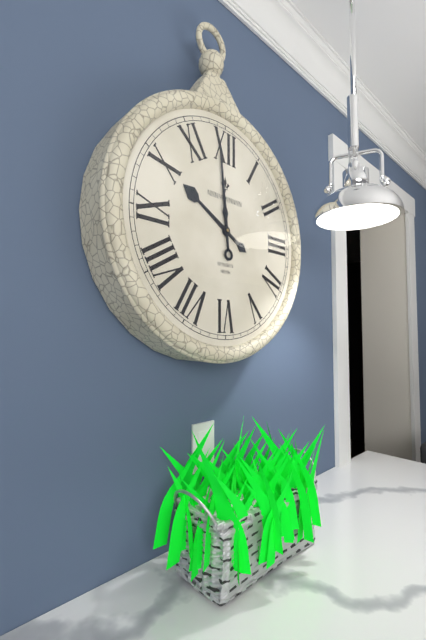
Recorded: **9:59**
